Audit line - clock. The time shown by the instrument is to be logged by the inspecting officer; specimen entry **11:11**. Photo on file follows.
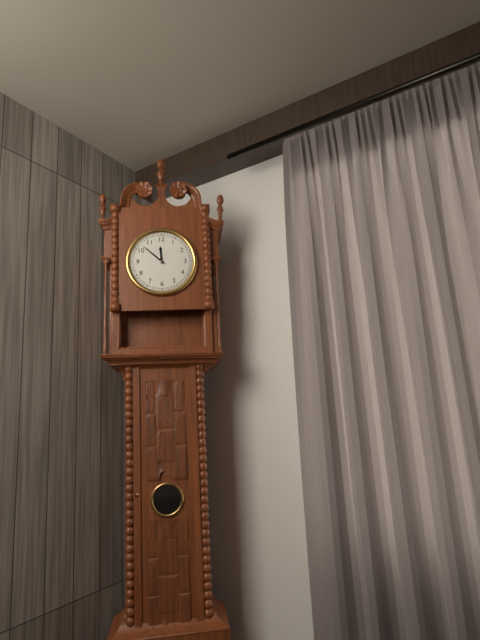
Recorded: **11:52**
